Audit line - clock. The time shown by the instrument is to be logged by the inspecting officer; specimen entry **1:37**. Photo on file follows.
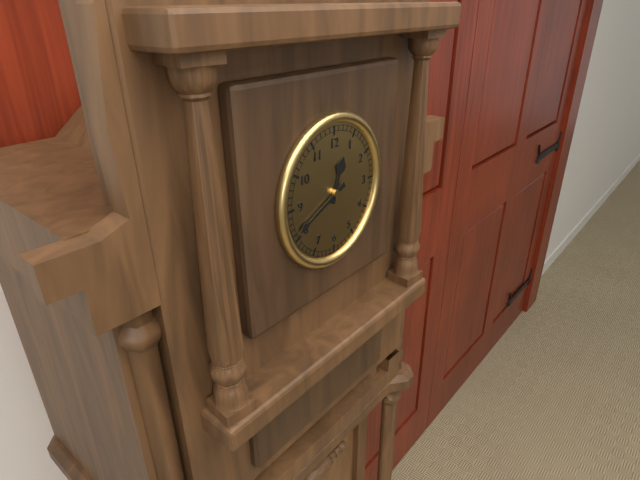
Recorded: **12:41**
